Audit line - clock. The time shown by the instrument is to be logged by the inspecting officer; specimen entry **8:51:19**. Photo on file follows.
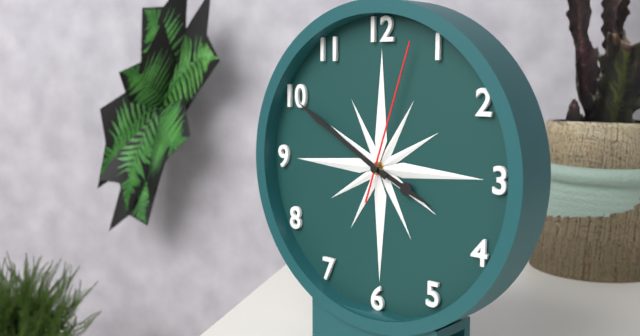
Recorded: **3:50:03**
